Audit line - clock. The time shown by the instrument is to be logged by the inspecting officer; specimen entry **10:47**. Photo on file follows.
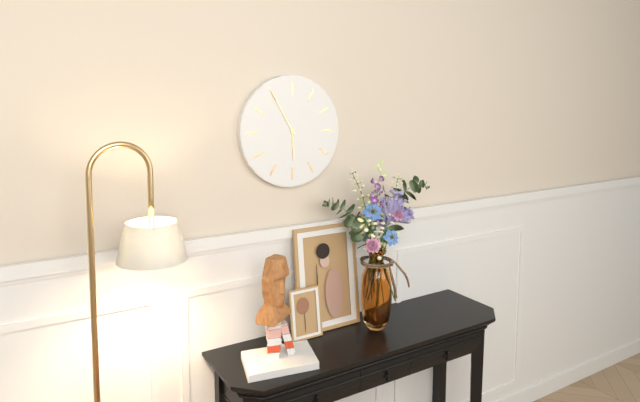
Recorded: **5:55**
